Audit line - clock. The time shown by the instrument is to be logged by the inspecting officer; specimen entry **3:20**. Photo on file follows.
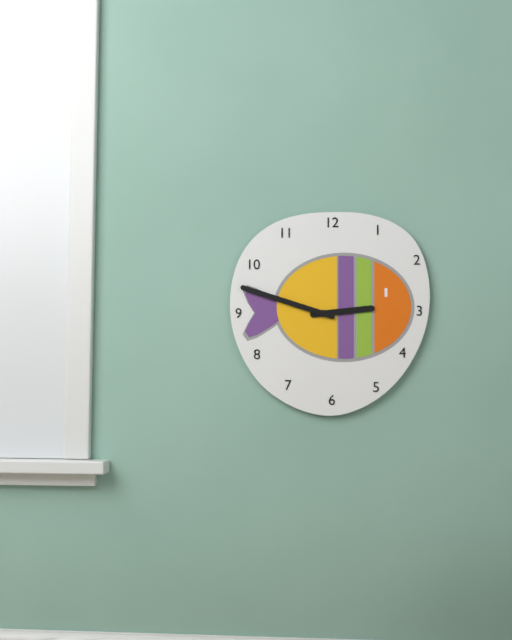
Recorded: **2:48**
